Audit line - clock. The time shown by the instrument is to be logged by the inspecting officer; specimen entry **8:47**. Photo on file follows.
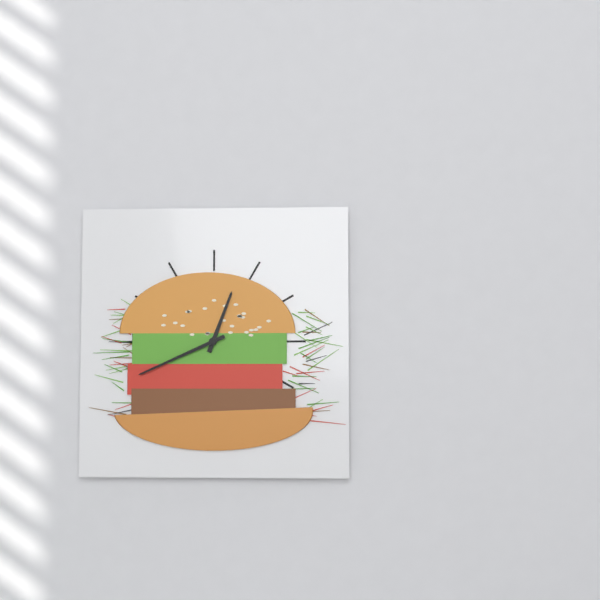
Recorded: **12:41**
